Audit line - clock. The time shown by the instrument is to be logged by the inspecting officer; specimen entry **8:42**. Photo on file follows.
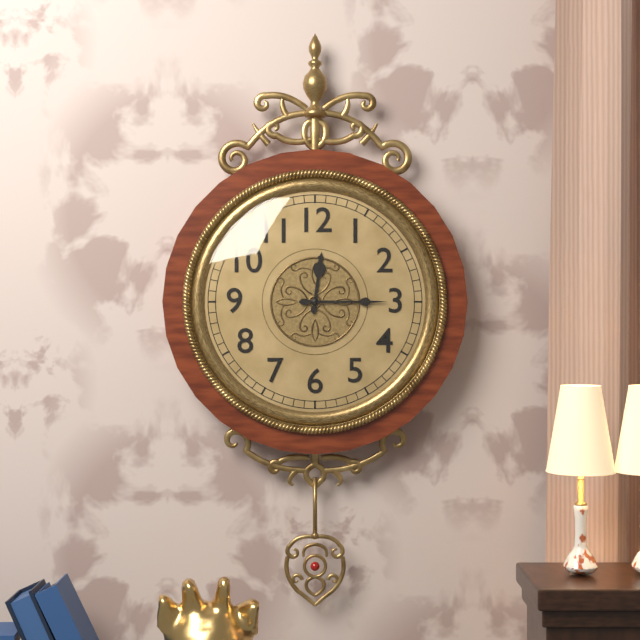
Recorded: **12:15**
